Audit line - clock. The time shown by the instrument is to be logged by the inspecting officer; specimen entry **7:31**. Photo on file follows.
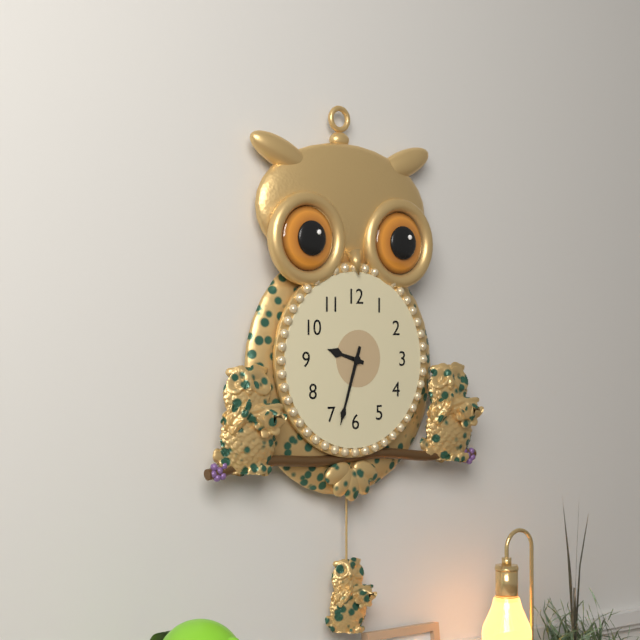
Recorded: **9:33**
